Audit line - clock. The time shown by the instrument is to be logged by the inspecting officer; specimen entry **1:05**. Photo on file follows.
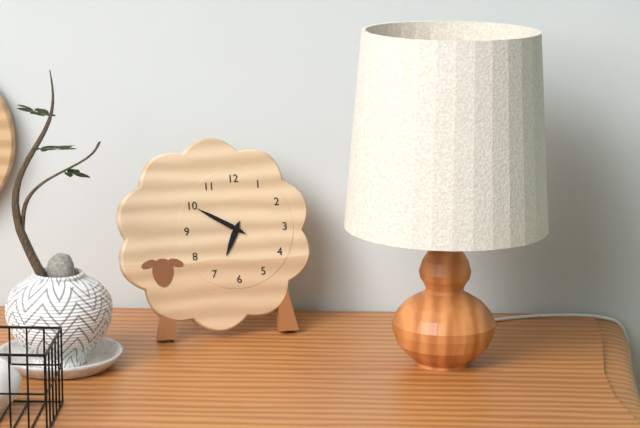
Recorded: **6:50**
